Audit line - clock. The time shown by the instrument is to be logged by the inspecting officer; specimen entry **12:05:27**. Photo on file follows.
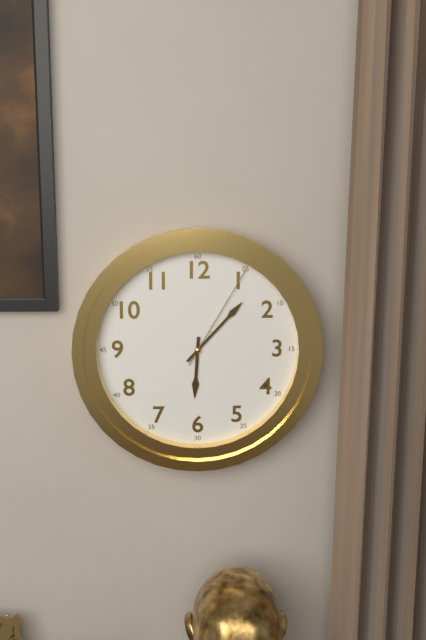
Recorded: **6:07:05**
